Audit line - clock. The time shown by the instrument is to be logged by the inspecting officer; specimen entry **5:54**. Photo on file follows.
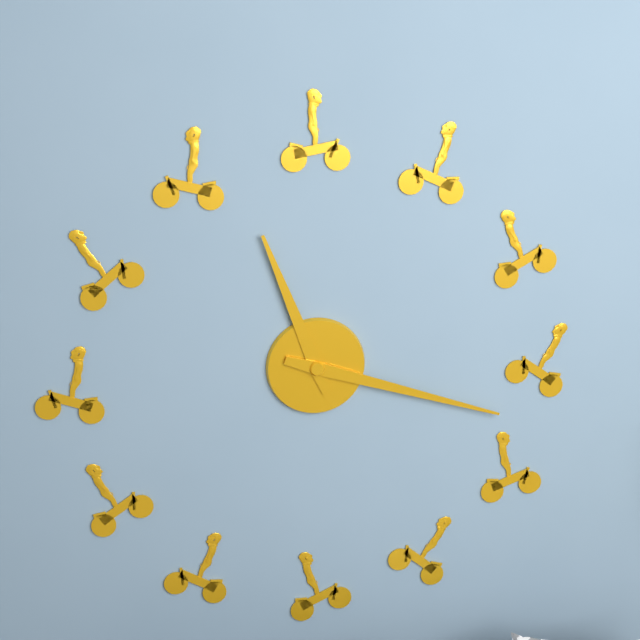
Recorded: **11:18**
